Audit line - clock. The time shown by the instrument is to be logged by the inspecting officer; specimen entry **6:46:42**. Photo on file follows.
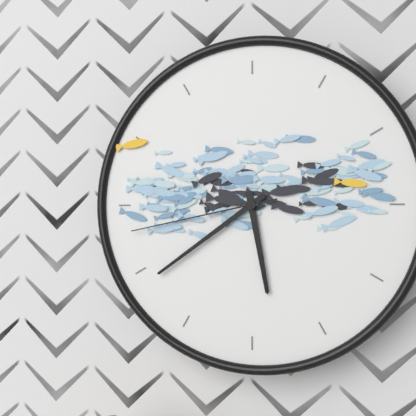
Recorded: **5:39:43**
